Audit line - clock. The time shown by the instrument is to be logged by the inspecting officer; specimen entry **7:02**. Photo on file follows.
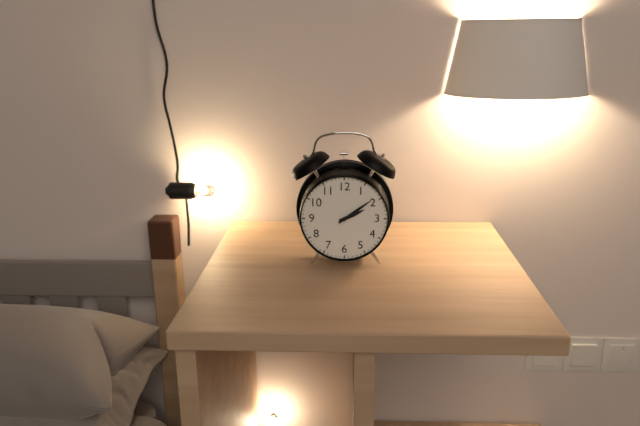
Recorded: **2:09**
